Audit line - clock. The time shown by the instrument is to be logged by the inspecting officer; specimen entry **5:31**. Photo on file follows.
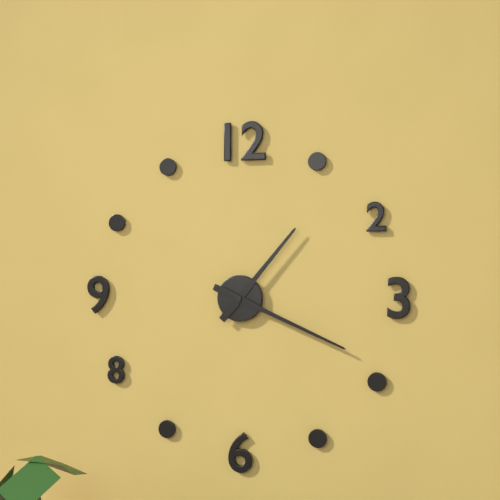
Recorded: **1:19**
